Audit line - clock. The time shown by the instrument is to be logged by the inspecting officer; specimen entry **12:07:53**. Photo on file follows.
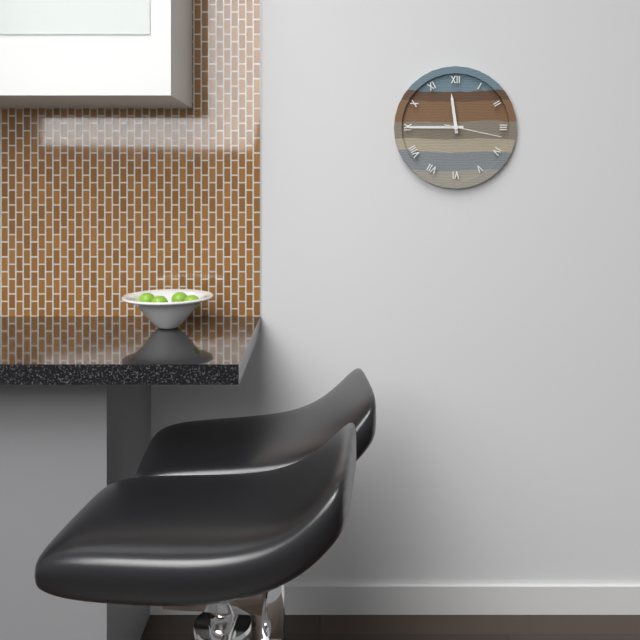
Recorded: **11:45:17**
